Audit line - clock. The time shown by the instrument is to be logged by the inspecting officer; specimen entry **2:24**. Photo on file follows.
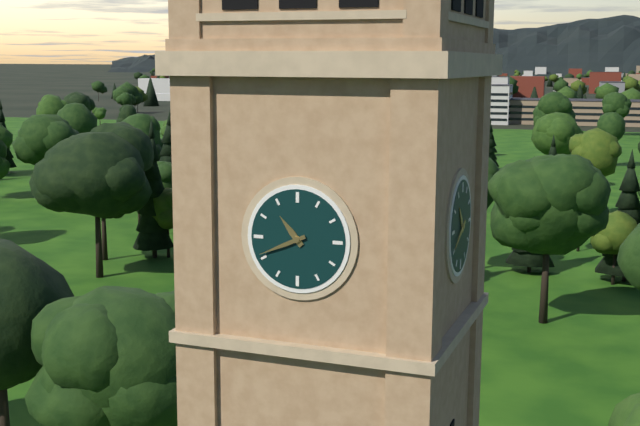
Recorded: **10:41**
